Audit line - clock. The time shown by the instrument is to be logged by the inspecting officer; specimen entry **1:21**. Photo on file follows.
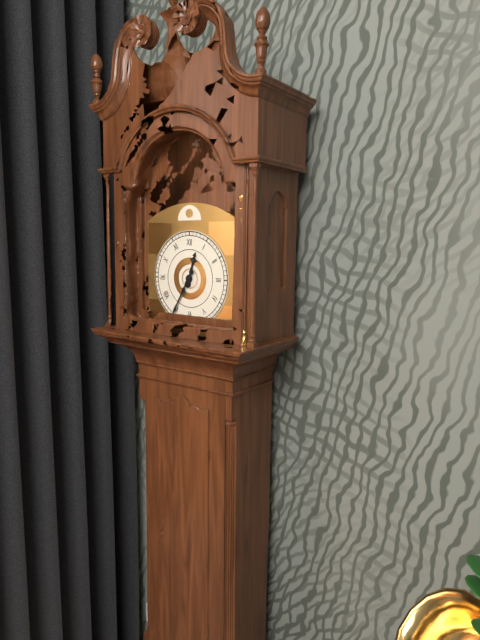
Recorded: **12:35**
